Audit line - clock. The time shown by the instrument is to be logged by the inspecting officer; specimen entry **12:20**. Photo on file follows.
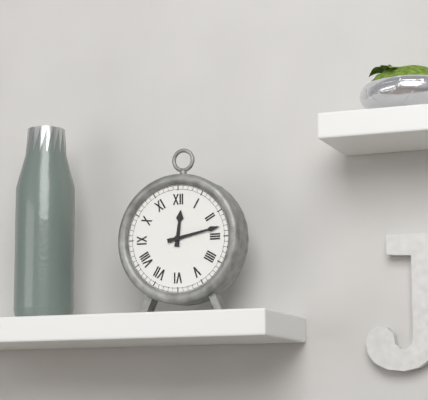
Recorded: **12:13**
